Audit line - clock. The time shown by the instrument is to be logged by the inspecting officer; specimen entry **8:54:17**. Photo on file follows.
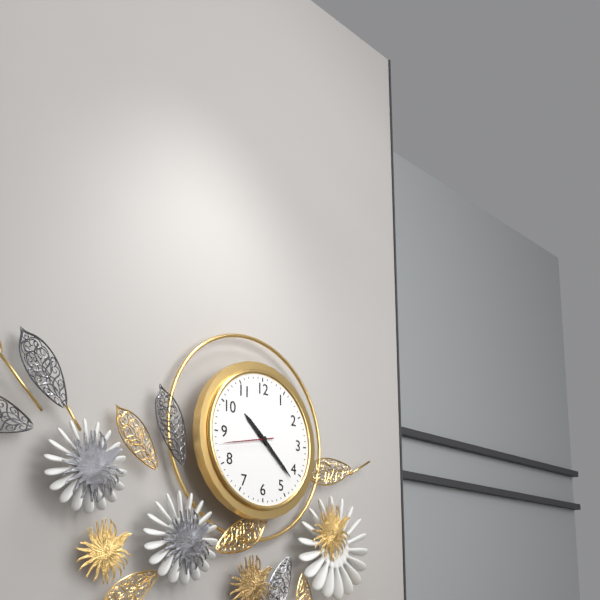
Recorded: **10:22:43**
